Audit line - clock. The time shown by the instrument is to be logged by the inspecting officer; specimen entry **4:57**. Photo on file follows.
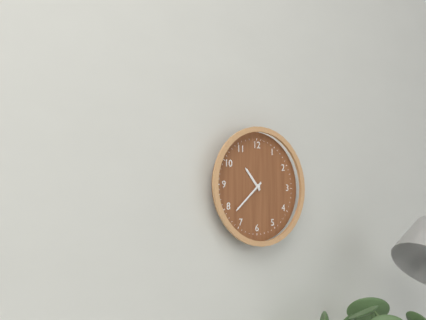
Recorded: **10:38**
